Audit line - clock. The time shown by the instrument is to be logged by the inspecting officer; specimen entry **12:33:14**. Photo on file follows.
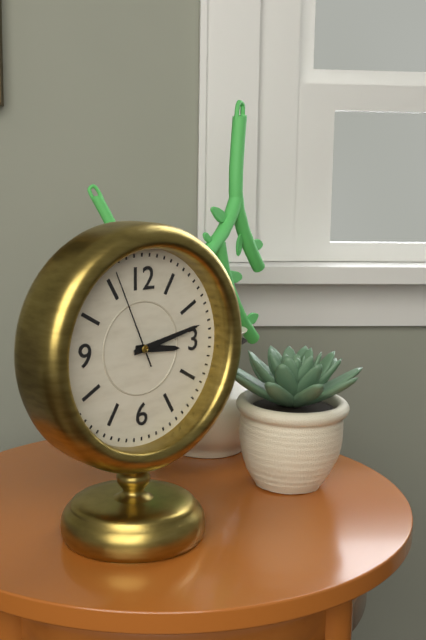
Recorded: **3:13:56**
